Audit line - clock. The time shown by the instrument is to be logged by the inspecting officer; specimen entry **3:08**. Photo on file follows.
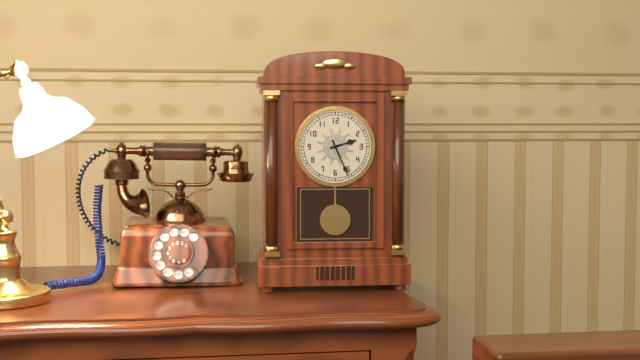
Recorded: **2:26**
